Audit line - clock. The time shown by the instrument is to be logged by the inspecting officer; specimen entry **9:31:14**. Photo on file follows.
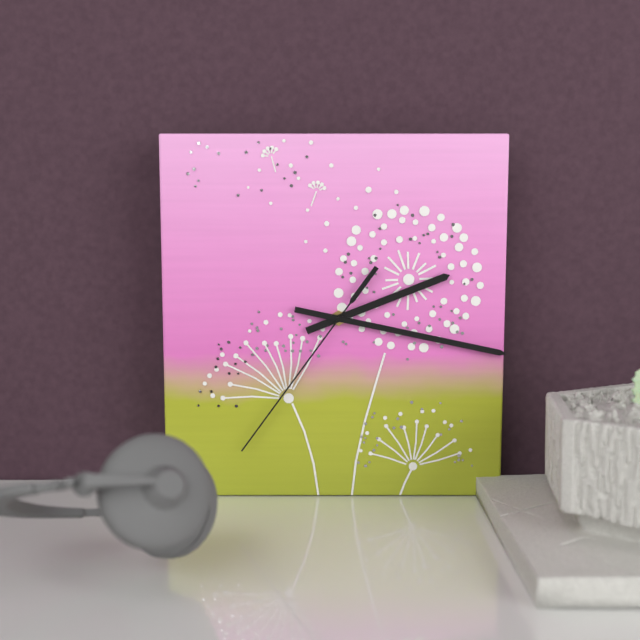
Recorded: **2:17:36**
